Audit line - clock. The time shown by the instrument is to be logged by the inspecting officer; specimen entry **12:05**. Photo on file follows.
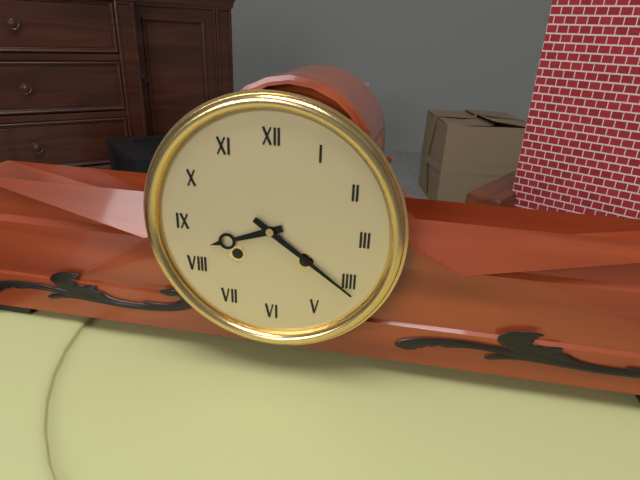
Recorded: **8:21**
